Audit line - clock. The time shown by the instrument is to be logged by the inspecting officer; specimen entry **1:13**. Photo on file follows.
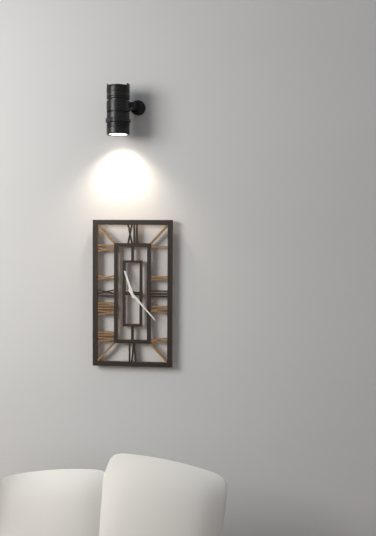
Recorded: **11:23**
